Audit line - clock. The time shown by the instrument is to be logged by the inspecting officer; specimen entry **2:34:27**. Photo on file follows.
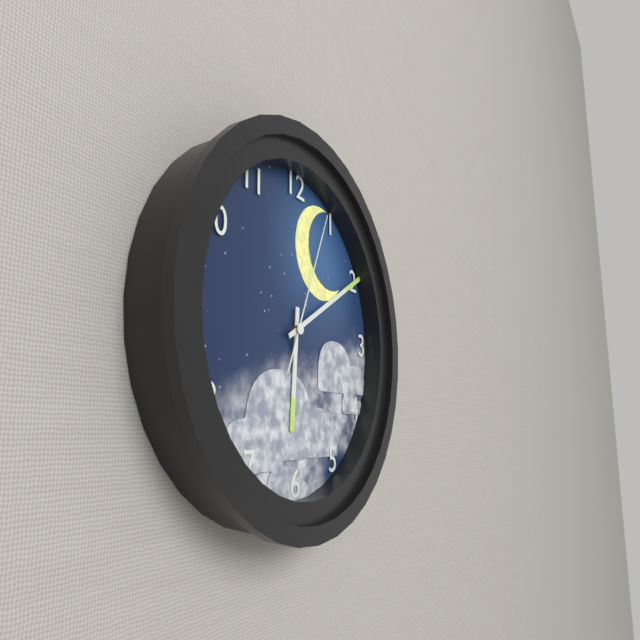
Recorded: **6:10:04**
